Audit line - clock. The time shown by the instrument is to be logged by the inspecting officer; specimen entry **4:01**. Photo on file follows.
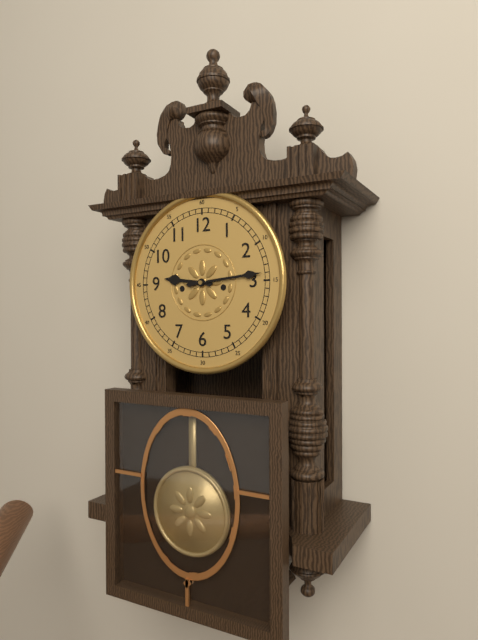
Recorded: **9:14**
